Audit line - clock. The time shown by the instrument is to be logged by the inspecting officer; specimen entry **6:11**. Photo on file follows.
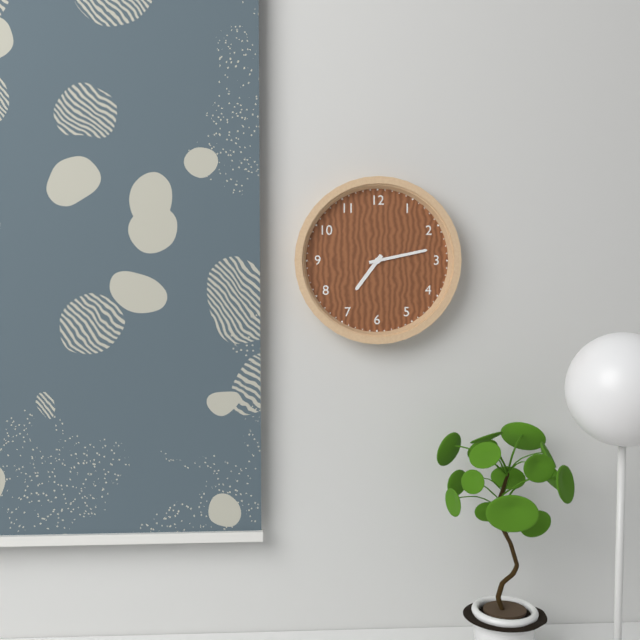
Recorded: **7:13**
